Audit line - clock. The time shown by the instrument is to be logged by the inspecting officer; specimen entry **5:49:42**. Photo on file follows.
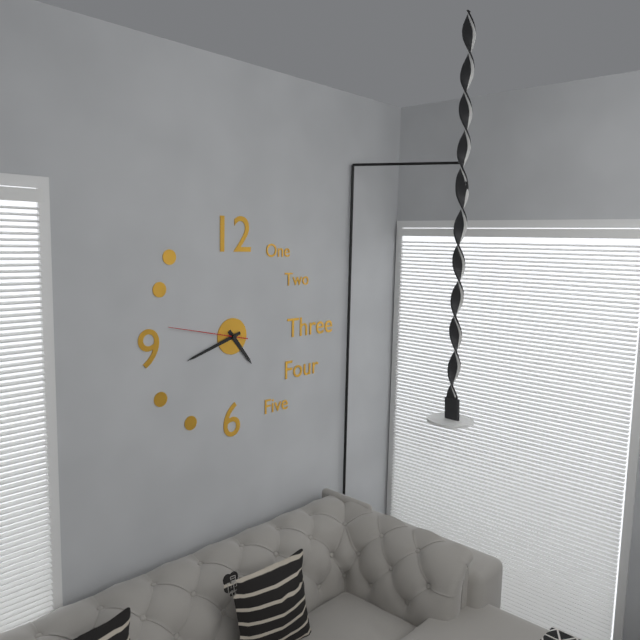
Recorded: **4:42:47**
